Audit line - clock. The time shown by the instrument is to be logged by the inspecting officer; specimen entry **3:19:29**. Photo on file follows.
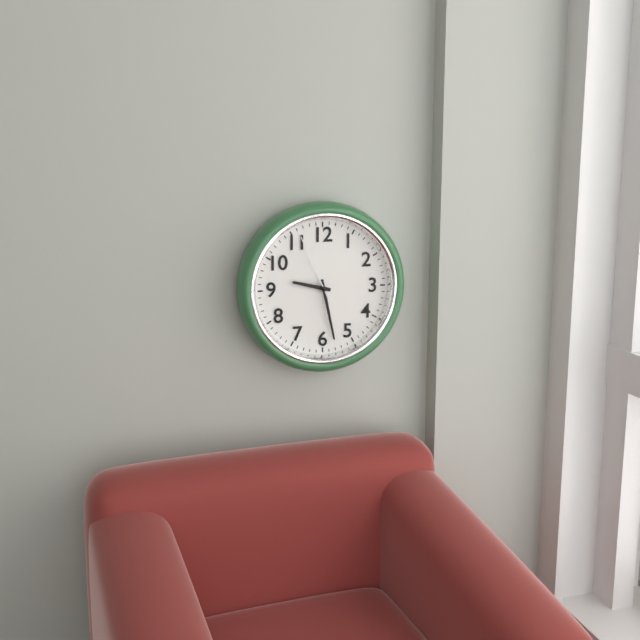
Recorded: **9:28:56**
